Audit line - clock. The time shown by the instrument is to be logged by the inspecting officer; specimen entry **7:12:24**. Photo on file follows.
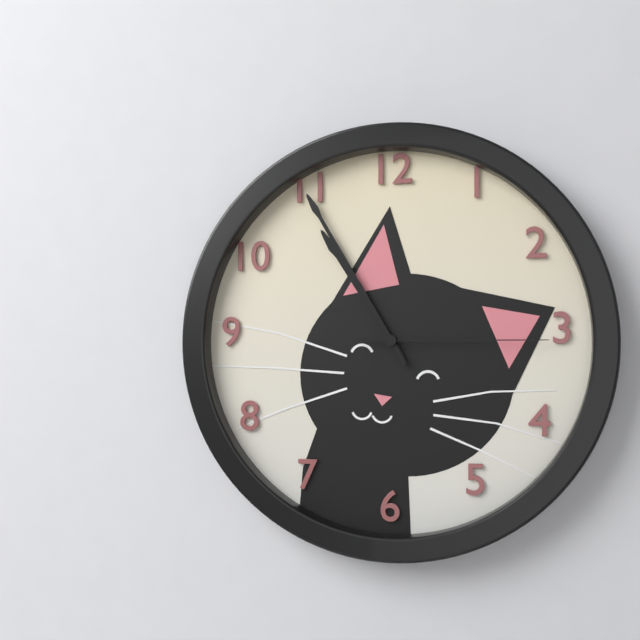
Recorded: **10:55:15**
